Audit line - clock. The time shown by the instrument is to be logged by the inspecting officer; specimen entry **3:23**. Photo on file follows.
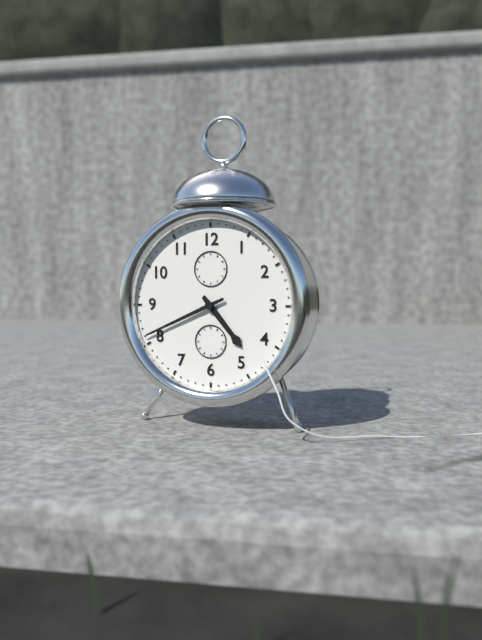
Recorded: **4:41**
